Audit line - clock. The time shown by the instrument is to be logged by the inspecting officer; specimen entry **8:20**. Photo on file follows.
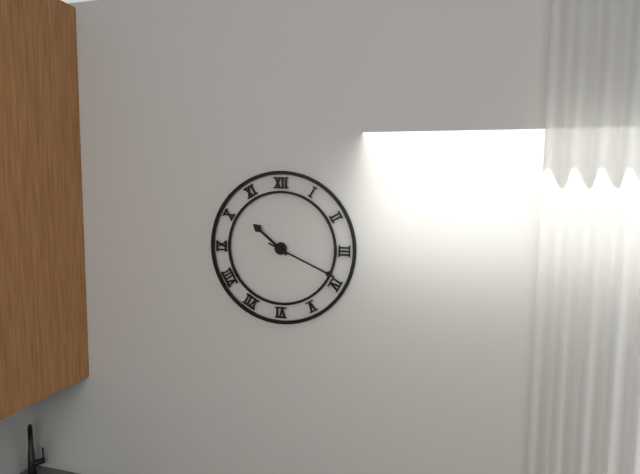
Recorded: **10:19**
